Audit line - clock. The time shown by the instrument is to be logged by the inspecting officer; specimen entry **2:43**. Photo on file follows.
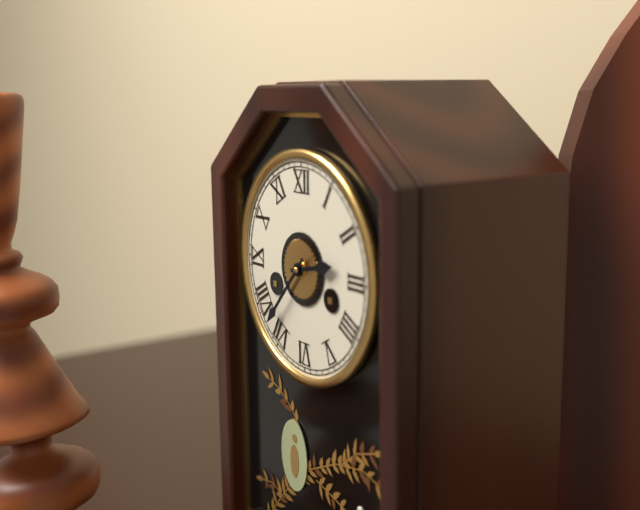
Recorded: **2:37**
